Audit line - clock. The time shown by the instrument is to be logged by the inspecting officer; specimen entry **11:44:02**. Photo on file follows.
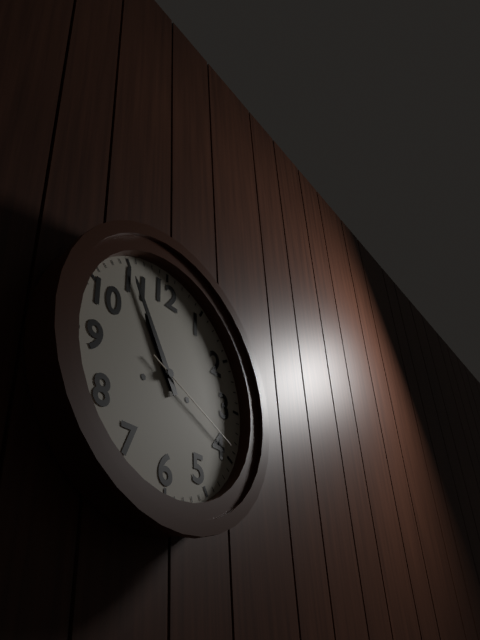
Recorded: **10:55:19**
